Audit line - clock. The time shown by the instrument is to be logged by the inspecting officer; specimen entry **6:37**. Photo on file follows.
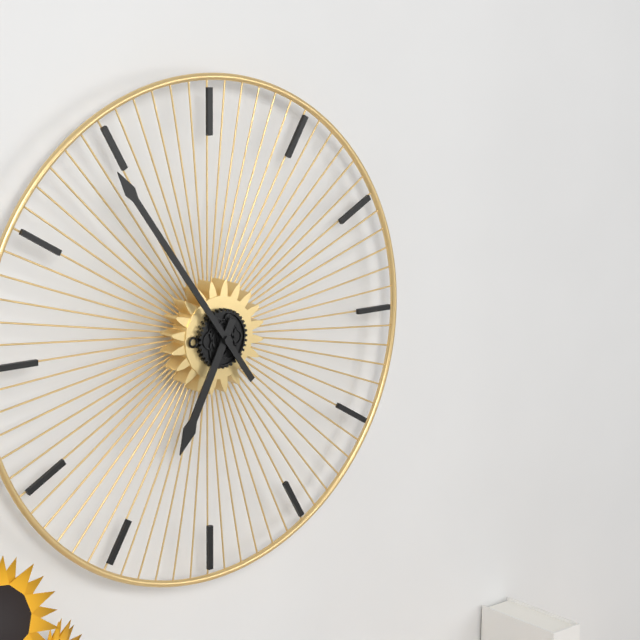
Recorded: **6:54**
